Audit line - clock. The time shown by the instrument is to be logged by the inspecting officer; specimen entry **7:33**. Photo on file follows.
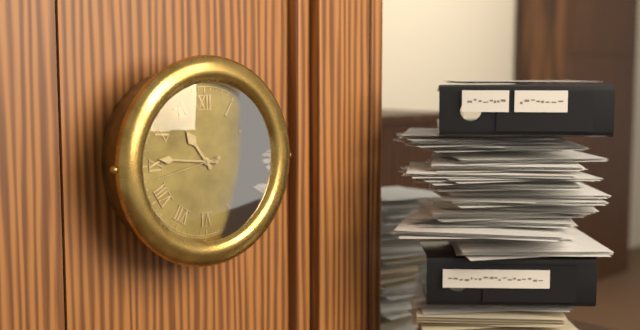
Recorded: **10:46**
